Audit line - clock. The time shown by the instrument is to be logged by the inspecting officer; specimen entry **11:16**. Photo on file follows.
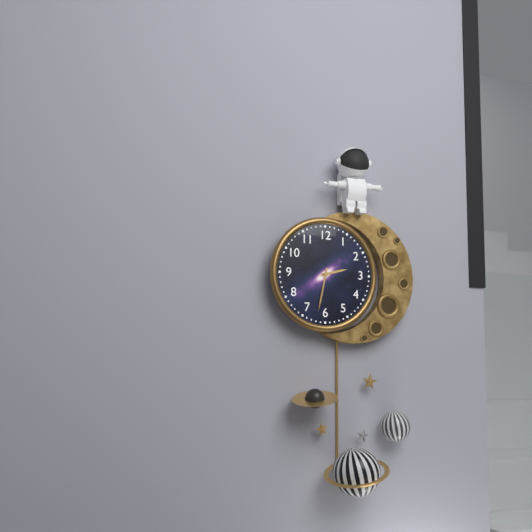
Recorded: **2:32**
